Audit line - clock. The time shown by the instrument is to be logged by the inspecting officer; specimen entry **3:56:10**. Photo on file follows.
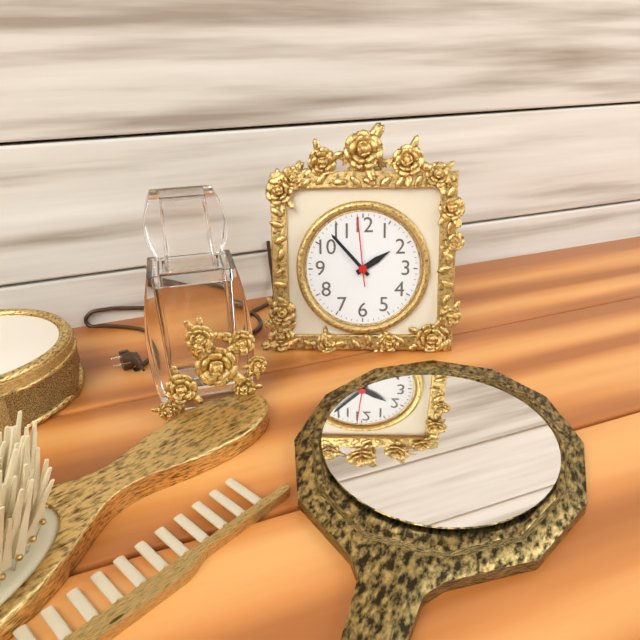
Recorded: **1:53:59**
